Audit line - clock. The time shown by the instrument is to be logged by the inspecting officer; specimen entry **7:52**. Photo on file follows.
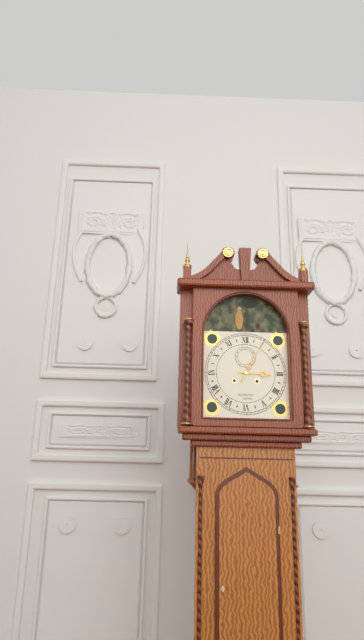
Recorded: **3:05**
